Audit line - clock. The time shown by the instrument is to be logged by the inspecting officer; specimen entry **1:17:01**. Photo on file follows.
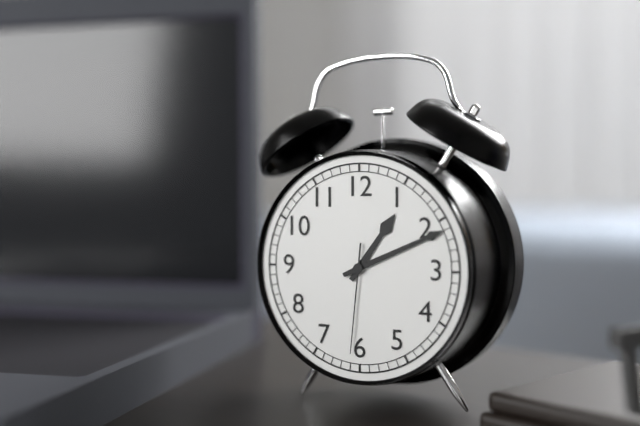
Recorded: **1:11:31**
